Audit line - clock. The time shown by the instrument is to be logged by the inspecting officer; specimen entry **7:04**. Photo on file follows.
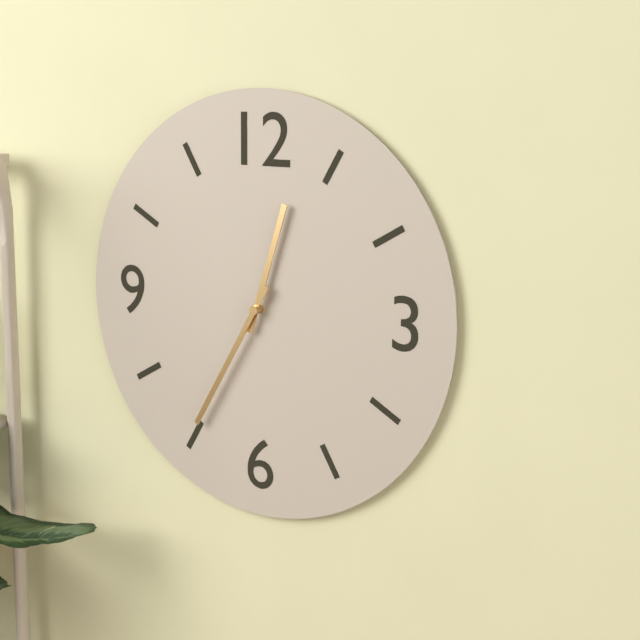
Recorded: **12:35**
